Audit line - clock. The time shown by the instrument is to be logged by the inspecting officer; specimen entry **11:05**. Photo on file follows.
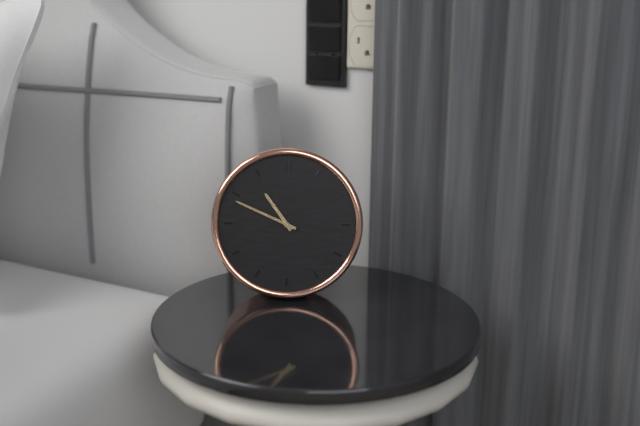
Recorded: **10:49**
